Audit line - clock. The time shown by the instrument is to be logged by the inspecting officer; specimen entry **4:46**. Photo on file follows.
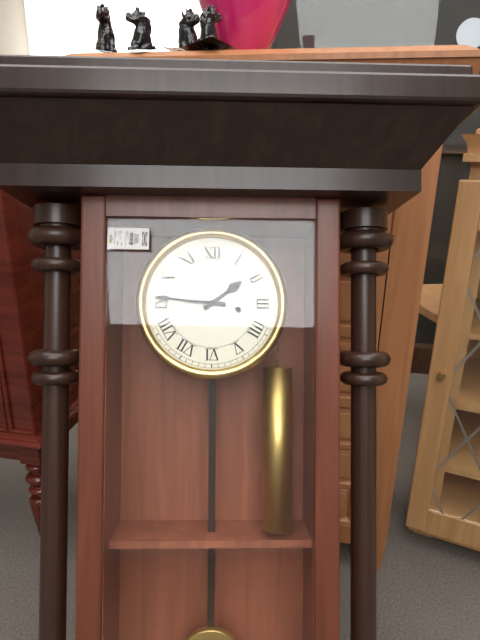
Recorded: **1:46**
